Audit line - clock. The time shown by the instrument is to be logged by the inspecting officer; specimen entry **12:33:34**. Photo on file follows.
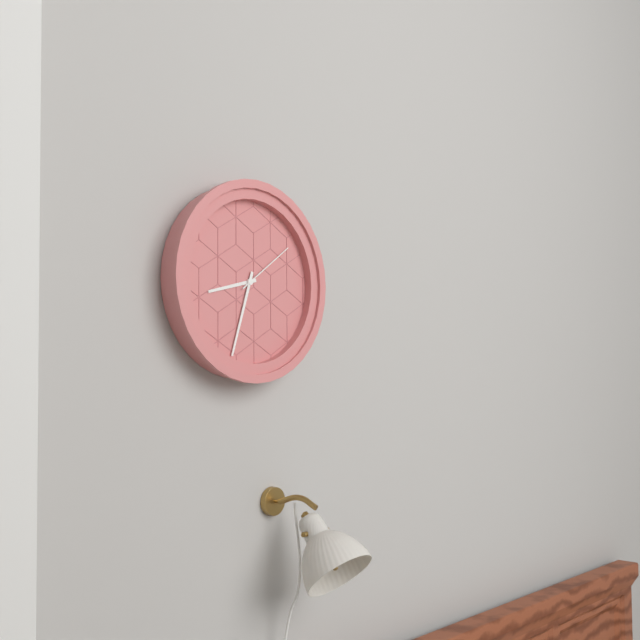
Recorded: **8:33:09**
